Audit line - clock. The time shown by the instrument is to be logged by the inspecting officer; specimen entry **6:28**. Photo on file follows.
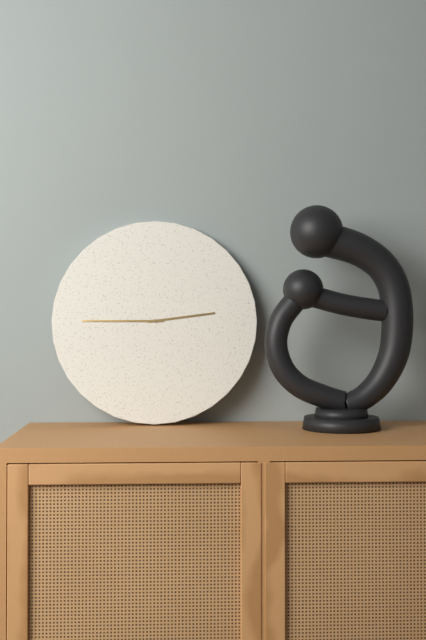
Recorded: **2:45**
